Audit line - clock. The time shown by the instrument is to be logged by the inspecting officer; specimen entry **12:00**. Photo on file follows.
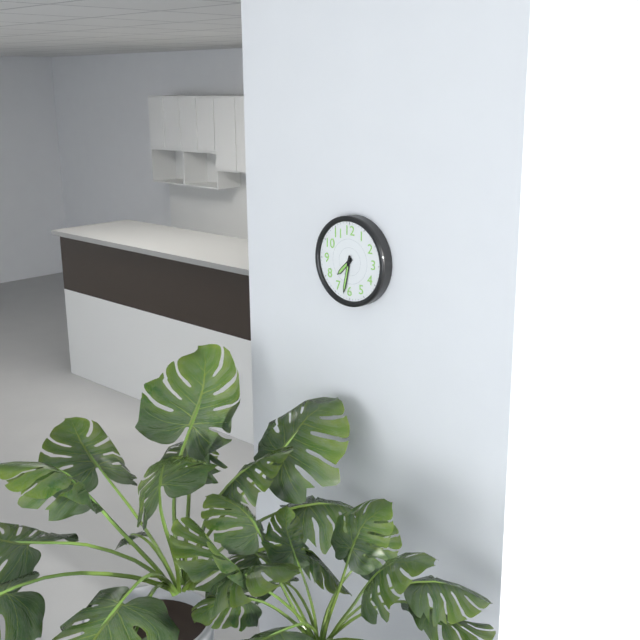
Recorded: **7:32**
